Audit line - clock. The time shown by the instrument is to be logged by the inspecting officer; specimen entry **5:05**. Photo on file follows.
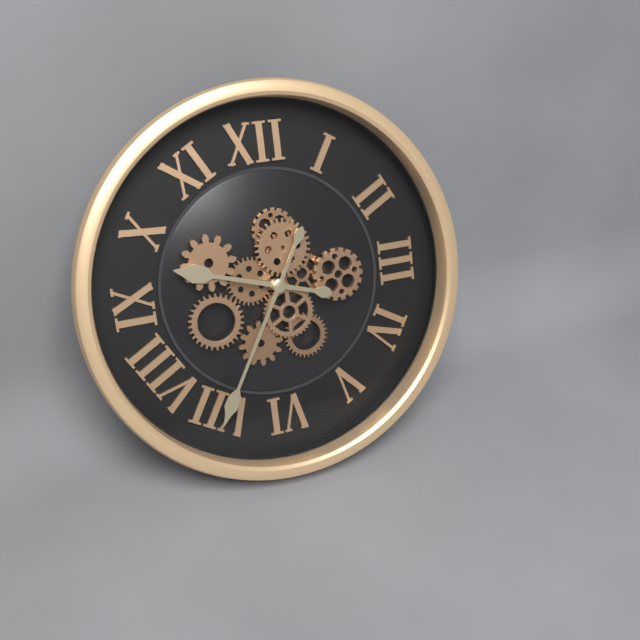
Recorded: **9:35**
